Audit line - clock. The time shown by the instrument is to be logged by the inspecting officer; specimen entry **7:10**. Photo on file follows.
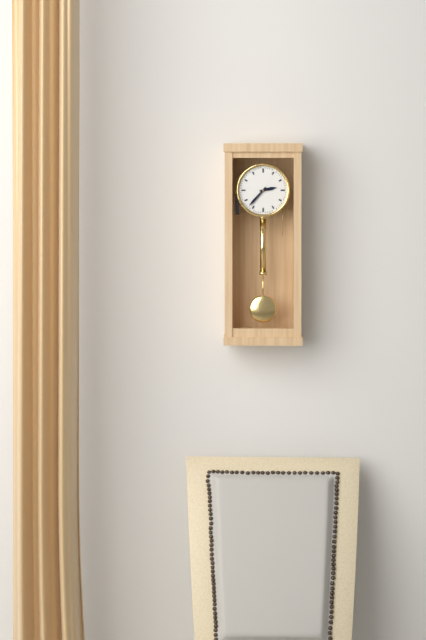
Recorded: **2:37**
